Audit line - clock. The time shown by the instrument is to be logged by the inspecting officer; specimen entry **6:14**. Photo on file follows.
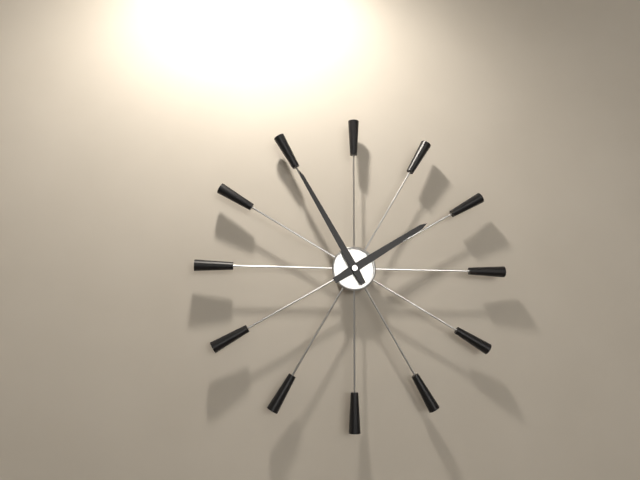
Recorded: **1:55**
